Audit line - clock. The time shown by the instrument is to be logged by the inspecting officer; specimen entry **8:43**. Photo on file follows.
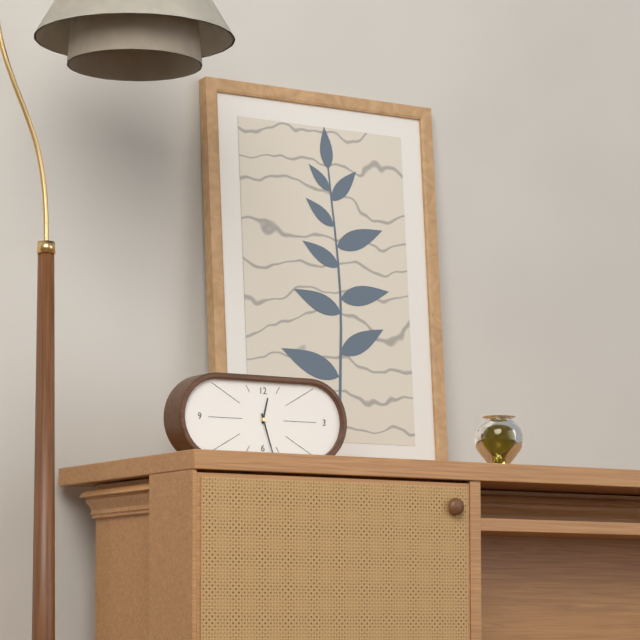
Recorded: **12:27**
